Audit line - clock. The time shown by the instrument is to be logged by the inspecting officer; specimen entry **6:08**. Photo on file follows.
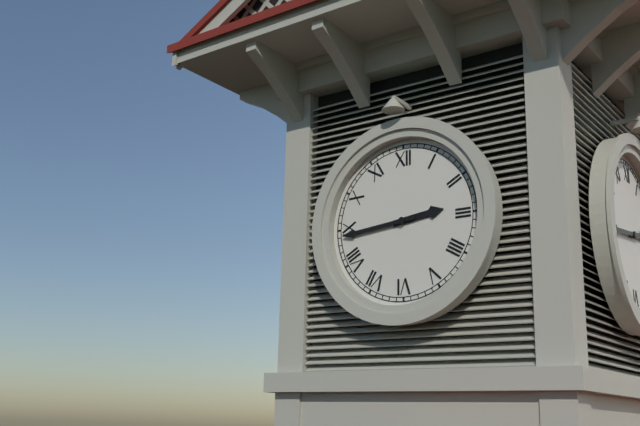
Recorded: **2:44**
